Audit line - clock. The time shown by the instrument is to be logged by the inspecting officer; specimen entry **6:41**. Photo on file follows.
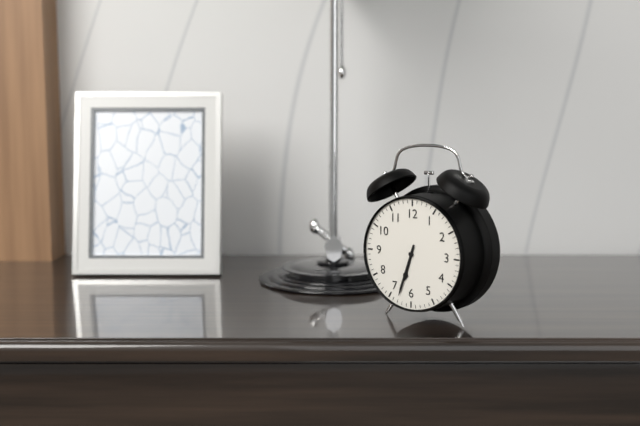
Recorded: **6:33**
